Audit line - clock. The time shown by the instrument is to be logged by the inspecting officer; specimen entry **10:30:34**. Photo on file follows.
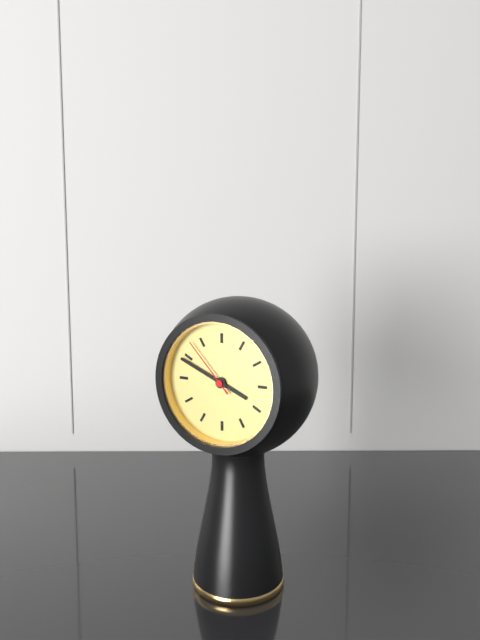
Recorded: **3:49:53**
